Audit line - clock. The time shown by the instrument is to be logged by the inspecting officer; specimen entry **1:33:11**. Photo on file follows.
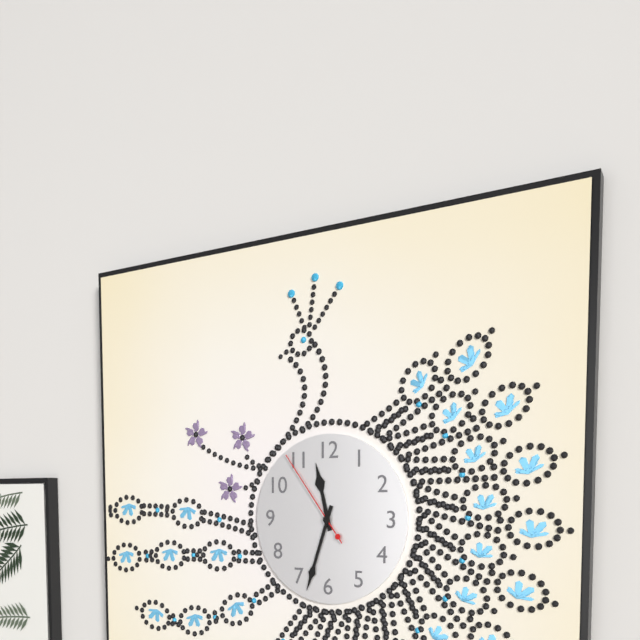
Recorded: **11:33:54**
